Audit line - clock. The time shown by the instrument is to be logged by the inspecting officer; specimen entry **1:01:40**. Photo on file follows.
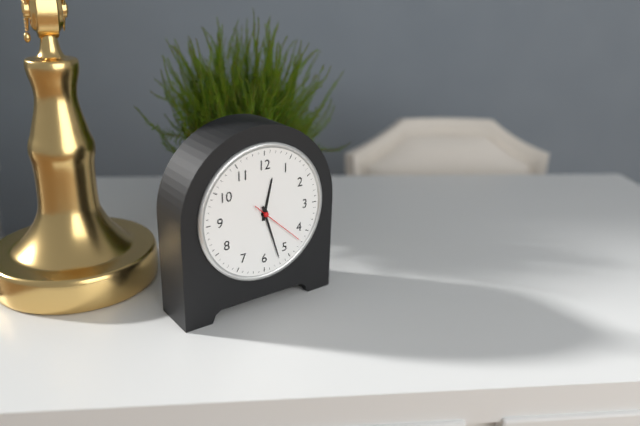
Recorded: **12:27:22**
